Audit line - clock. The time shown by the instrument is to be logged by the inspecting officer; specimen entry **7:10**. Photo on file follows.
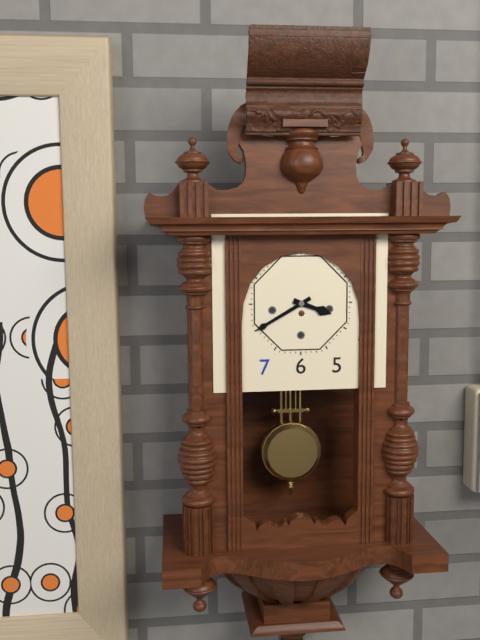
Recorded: **3:40**
